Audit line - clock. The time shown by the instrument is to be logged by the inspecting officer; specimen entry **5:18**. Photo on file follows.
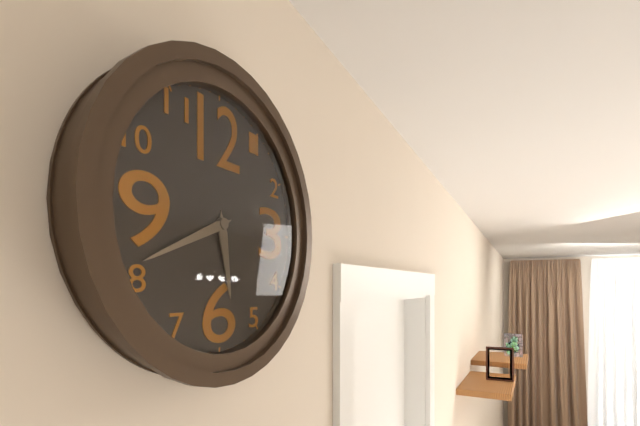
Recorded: **5:41**
